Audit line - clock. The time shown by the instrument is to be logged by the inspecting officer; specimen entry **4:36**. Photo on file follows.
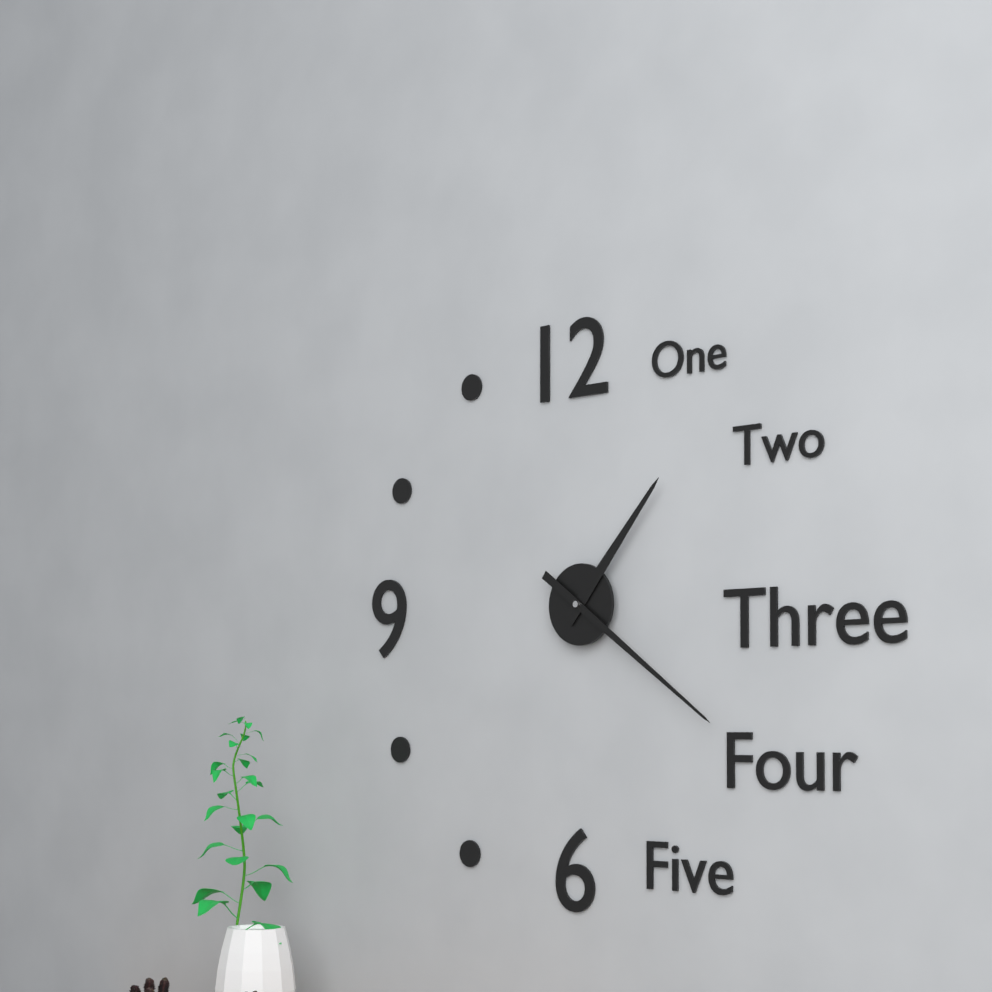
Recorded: **1:21**
